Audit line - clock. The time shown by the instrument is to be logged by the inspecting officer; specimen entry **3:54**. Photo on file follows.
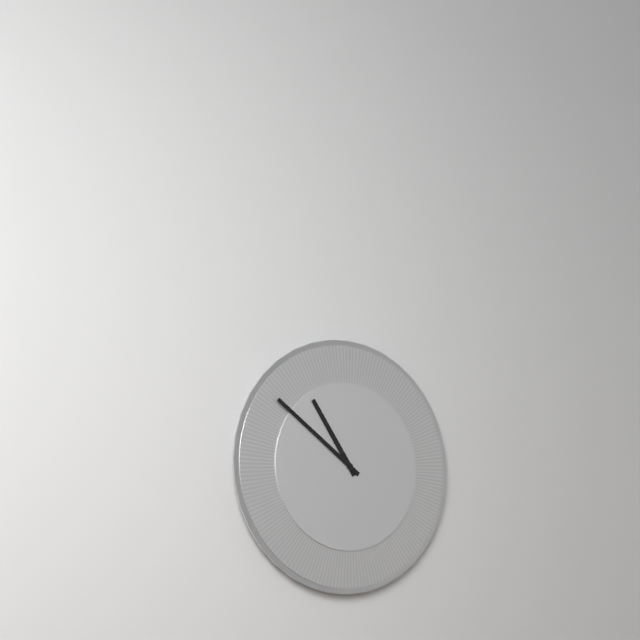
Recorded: **10:51**
